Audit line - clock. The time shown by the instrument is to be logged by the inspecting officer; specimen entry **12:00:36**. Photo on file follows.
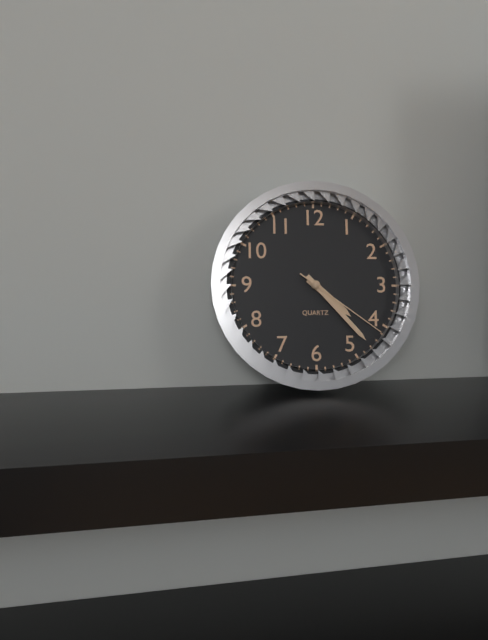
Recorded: **4:23:21**
